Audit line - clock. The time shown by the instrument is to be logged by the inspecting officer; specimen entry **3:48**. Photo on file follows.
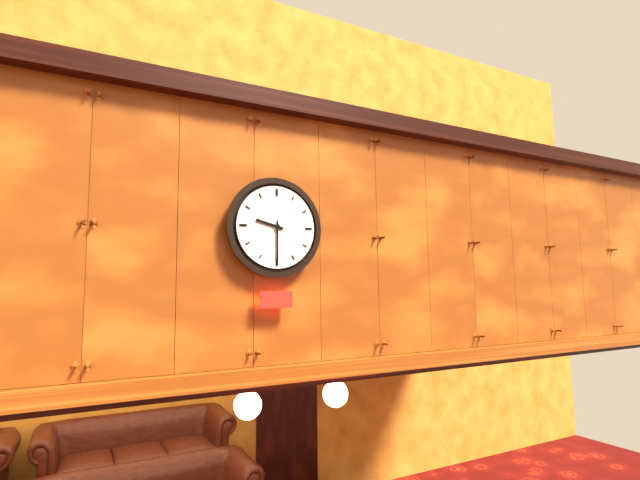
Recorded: **9:30**
